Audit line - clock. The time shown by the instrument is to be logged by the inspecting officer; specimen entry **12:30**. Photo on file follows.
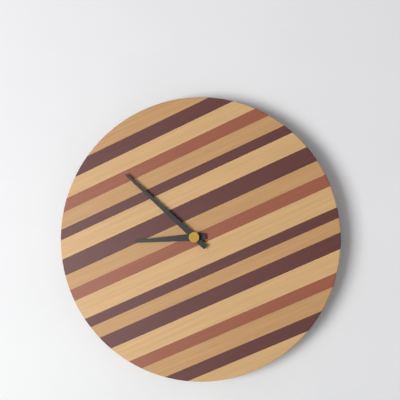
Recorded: **8:52**
